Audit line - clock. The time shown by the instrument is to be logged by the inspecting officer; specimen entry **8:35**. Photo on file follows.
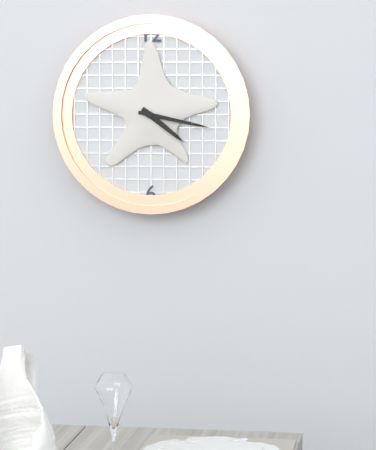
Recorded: **4:17**
